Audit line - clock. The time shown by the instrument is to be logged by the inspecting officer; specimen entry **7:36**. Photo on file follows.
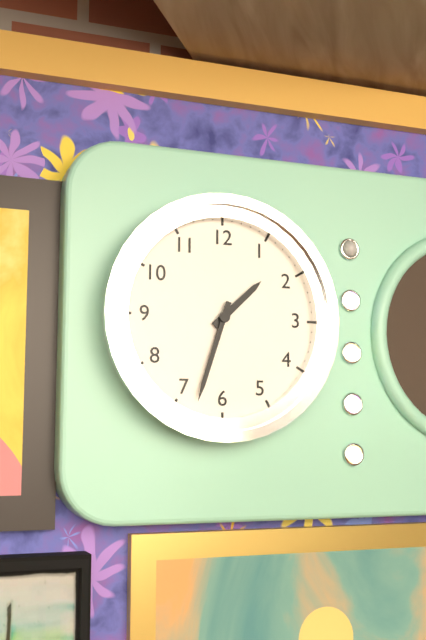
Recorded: **1:33**
